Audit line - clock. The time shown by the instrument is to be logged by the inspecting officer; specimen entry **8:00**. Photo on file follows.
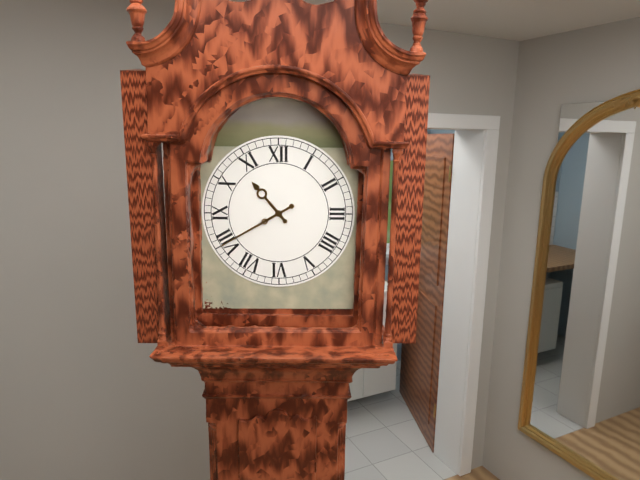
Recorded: **10:40**
